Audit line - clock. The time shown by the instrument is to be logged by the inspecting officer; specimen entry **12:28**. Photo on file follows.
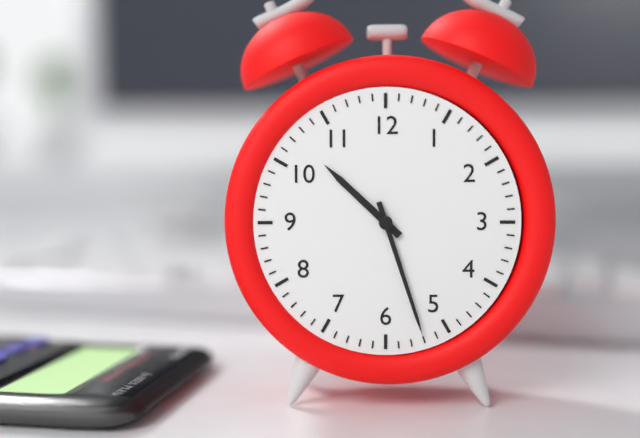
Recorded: **10:27**
